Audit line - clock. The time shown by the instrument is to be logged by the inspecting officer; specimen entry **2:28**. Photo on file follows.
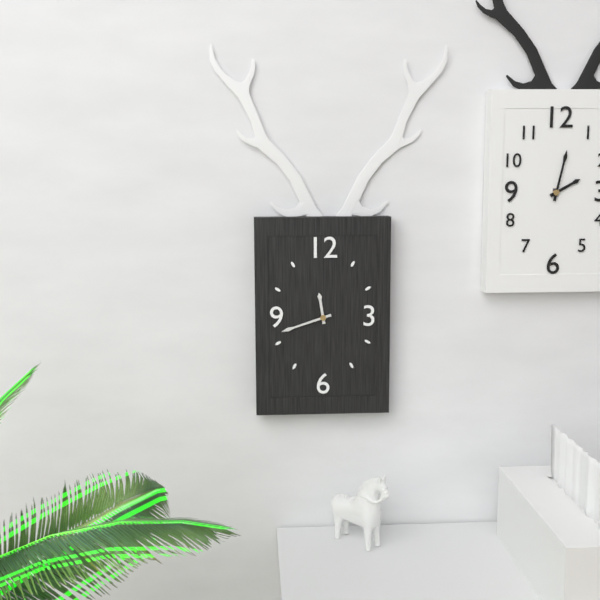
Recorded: **11:42**
